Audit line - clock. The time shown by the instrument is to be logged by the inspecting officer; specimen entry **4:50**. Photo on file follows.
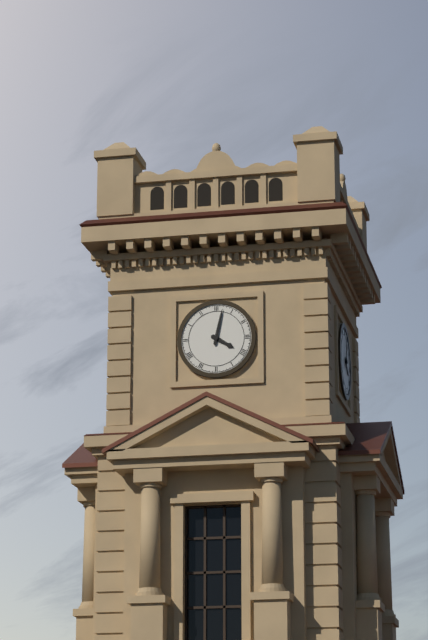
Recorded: **4:02**
